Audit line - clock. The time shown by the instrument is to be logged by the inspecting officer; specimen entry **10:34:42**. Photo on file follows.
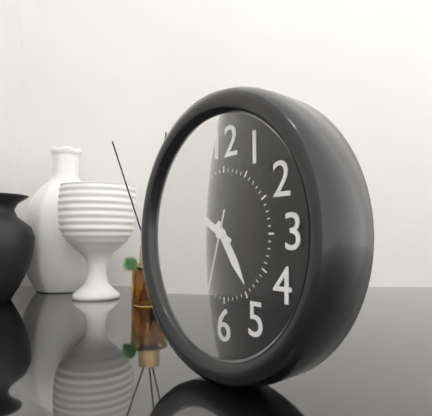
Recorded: **4:50:33**
